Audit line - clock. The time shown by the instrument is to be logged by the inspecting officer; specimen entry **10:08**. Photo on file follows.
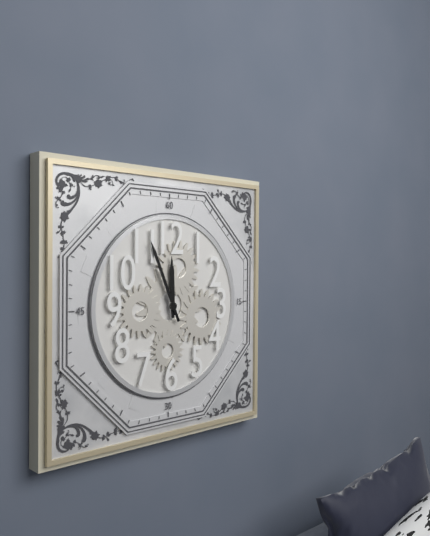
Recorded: **11:56**
